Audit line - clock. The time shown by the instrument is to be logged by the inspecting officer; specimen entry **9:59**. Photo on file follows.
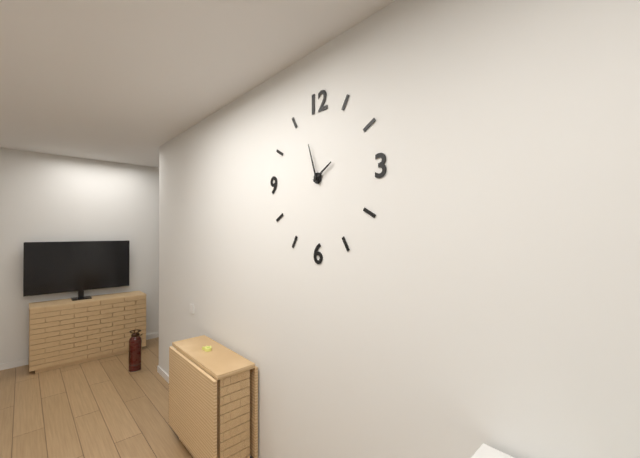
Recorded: **1:57**
